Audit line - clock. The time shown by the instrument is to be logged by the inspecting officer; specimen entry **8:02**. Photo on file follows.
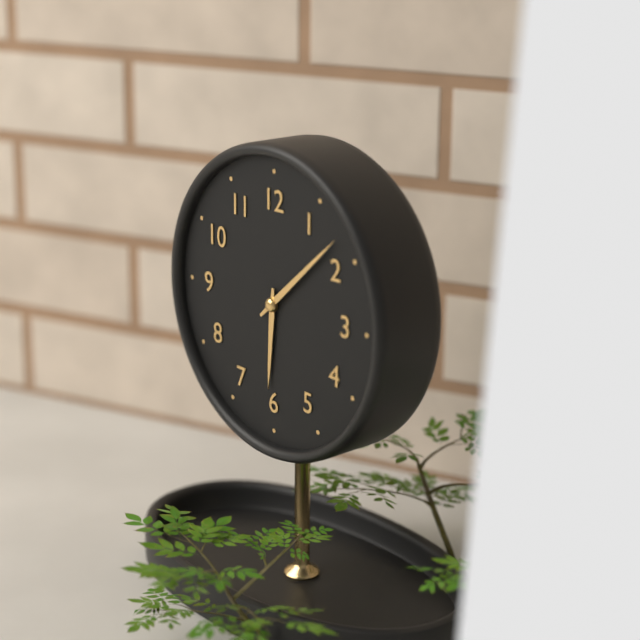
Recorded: **6:08**
